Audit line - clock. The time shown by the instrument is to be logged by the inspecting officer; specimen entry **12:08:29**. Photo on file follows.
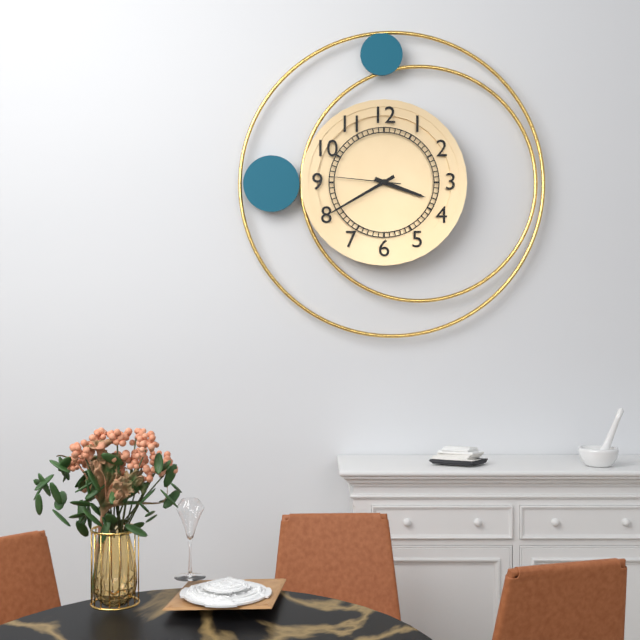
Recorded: **3:40:46**
